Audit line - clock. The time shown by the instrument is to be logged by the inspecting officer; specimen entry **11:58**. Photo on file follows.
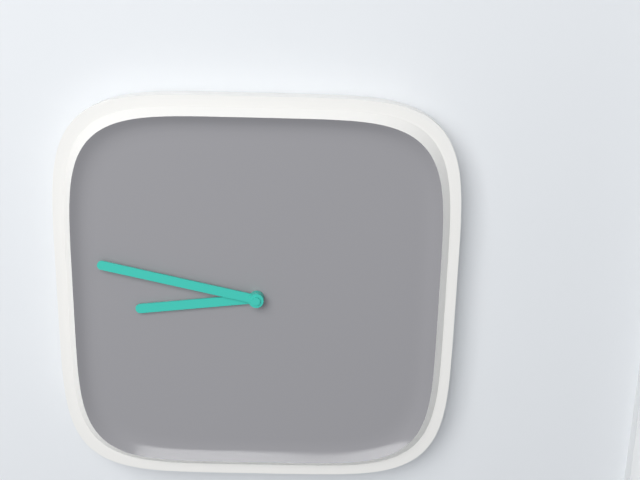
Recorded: **8:47**
